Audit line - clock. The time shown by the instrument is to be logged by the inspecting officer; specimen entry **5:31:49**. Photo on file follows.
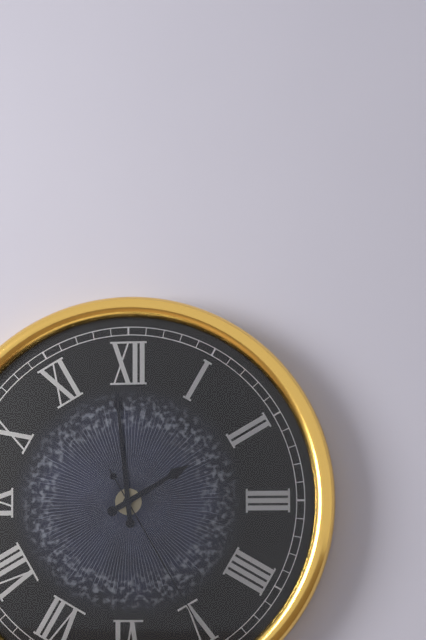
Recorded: **1:59:25**
